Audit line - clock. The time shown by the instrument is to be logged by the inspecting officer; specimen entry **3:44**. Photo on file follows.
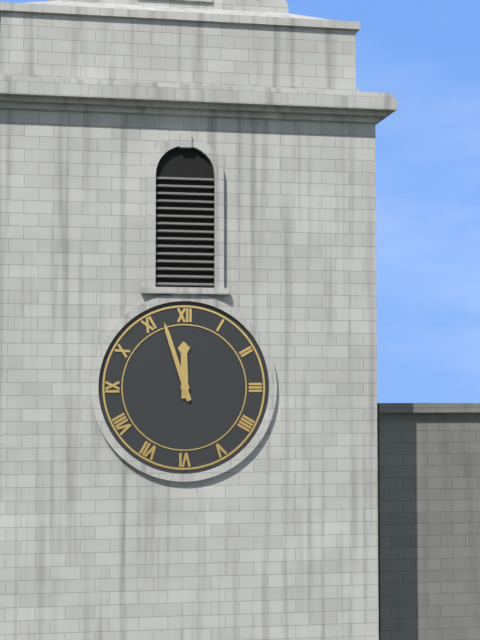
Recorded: **11:57**
